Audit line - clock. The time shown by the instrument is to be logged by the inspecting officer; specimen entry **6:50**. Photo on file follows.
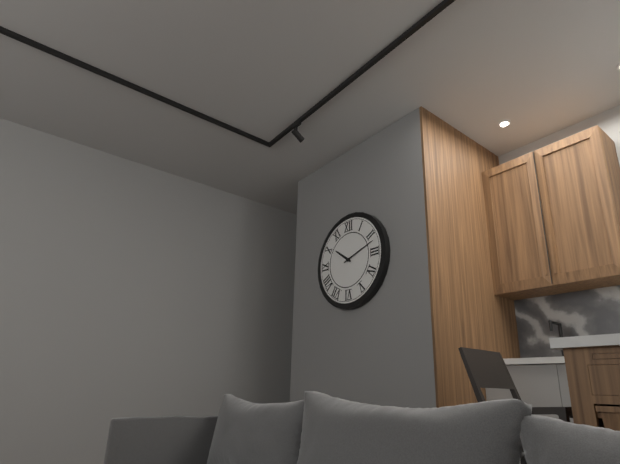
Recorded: **10:12**
